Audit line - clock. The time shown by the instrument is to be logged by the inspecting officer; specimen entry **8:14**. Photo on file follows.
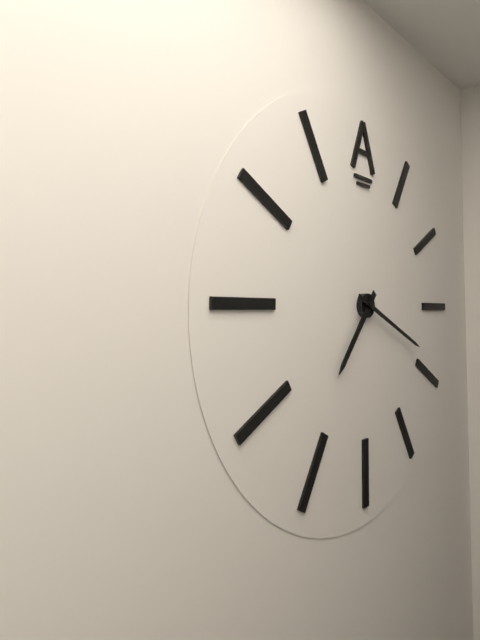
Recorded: **7:19**
